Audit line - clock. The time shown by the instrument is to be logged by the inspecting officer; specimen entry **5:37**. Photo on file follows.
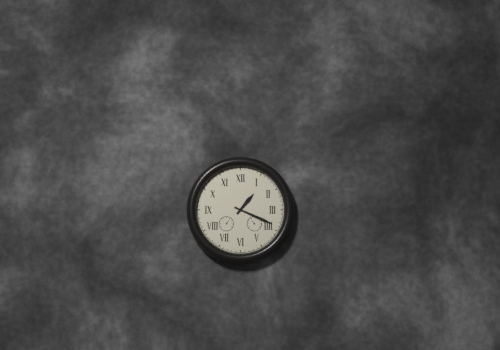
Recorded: **1:19**
